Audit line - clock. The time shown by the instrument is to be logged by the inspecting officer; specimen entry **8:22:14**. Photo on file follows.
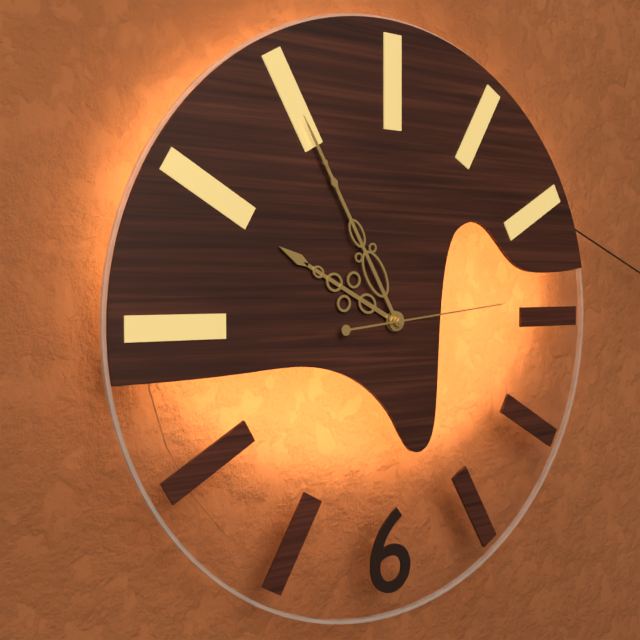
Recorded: **9:55:14**
